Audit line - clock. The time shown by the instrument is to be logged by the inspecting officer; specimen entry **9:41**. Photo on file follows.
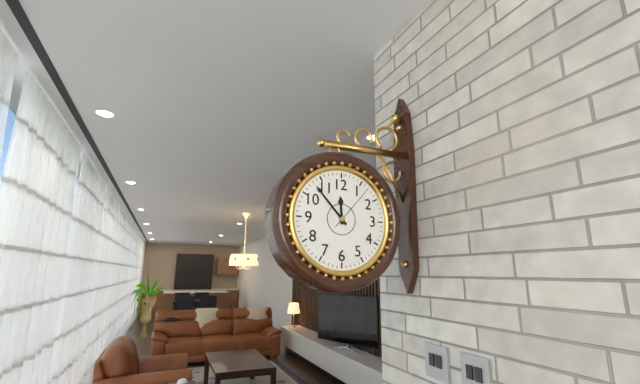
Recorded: **11:53**
